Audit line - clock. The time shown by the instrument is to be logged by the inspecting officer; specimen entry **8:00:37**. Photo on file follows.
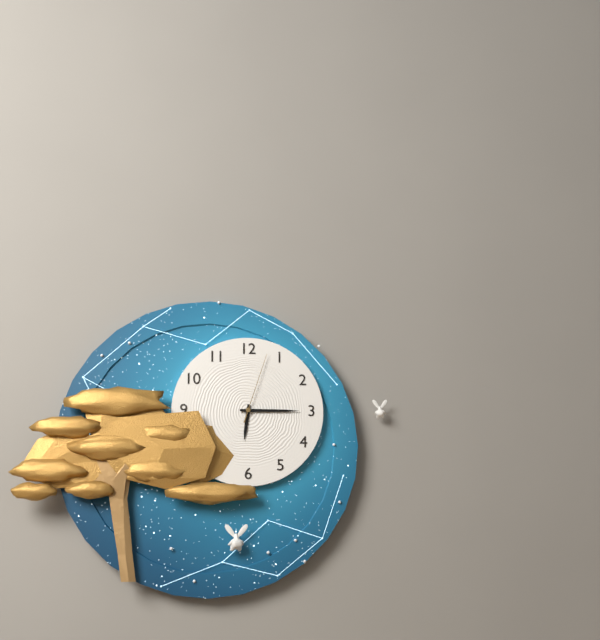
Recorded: **6:15:03**
